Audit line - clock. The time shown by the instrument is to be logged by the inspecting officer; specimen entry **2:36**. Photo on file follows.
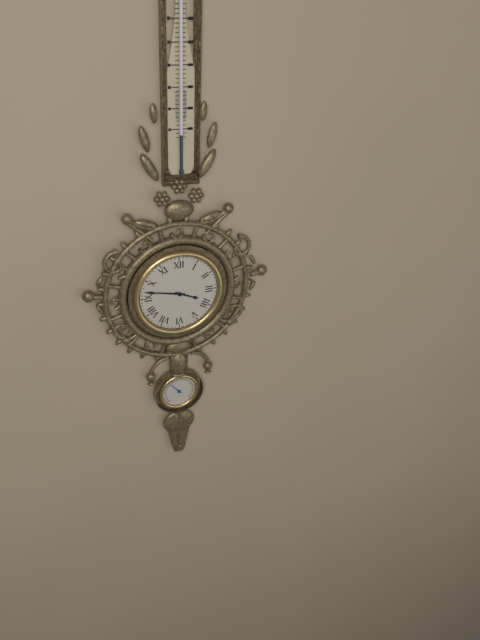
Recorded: **3:47**
